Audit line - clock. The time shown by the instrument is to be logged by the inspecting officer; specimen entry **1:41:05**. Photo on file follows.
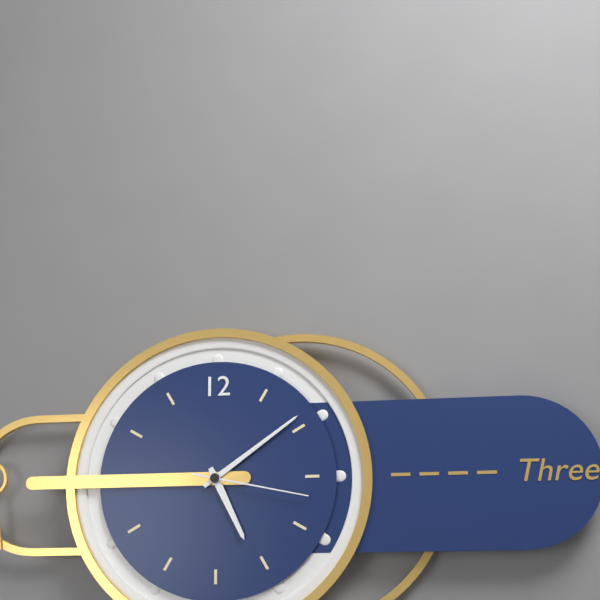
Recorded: **5:09:17**
